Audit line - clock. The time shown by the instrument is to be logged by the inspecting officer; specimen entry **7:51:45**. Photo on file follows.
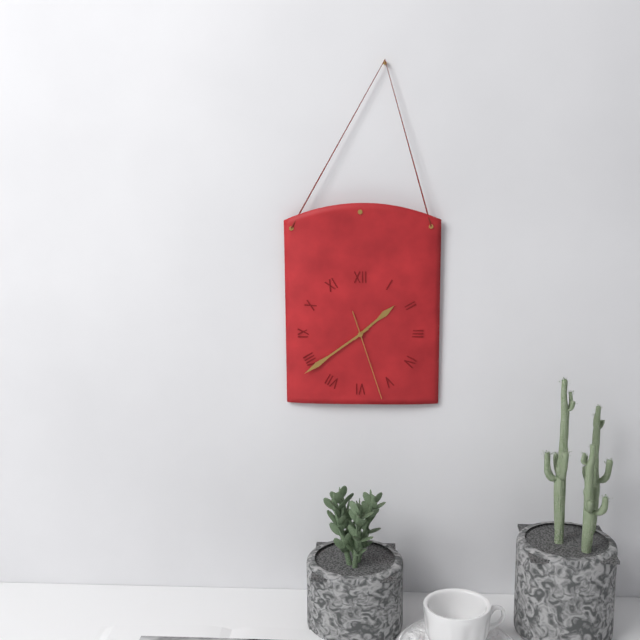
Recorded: **1:39:27**
